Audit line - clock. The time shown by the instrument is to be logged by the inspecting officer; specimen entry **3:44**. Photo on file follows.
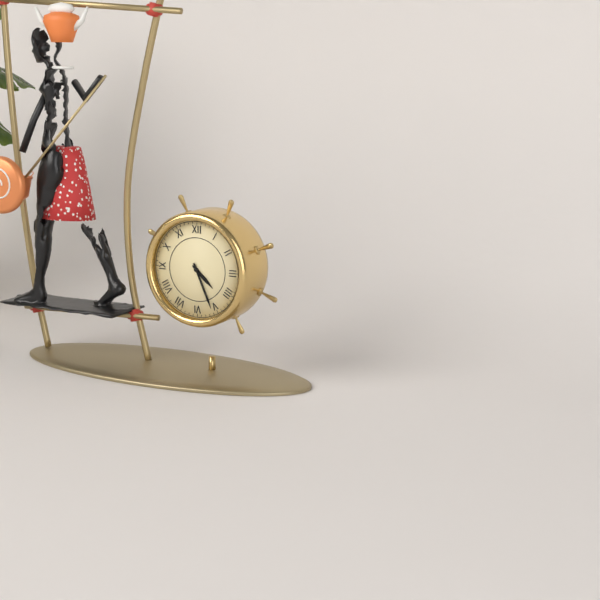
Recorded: **4:26**
